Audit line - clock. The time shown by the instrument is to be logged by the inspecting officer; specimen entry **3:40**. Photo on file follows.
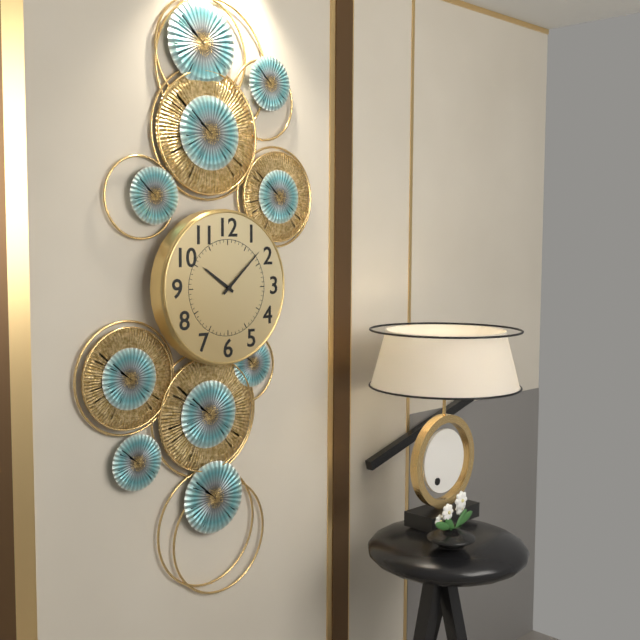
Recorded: **10:08**
